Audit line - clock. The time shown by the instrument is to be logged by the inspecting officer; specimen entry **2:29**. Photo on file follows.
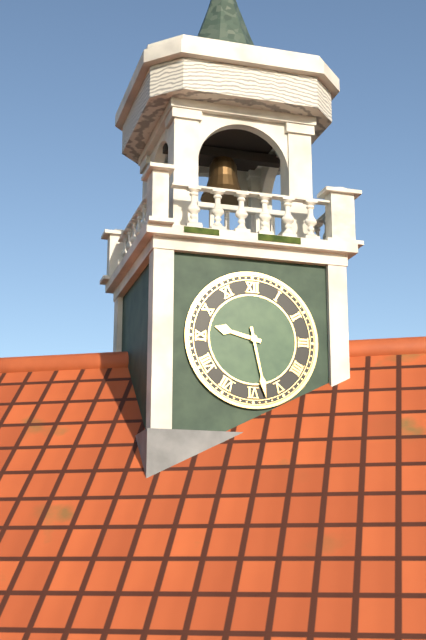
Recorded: **9:28**
